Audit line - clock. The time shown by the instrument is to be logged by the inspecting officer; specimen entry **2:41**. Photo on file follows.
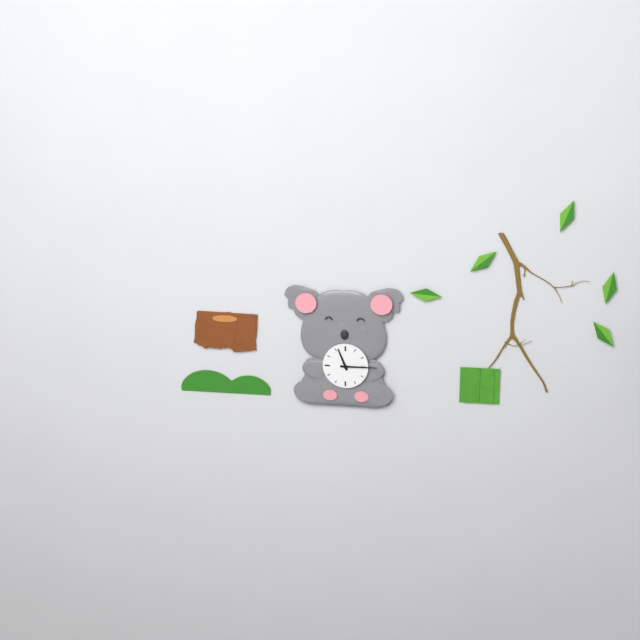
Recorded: **11:15**
